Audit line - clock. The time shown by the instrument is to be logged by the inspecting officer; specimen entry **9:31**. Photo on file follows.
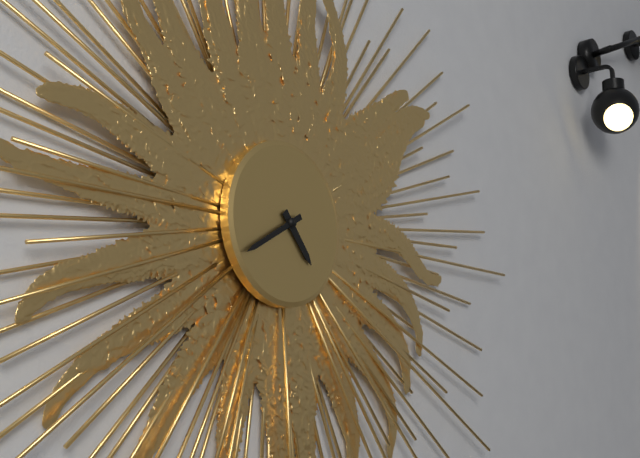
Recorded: **4:40**
